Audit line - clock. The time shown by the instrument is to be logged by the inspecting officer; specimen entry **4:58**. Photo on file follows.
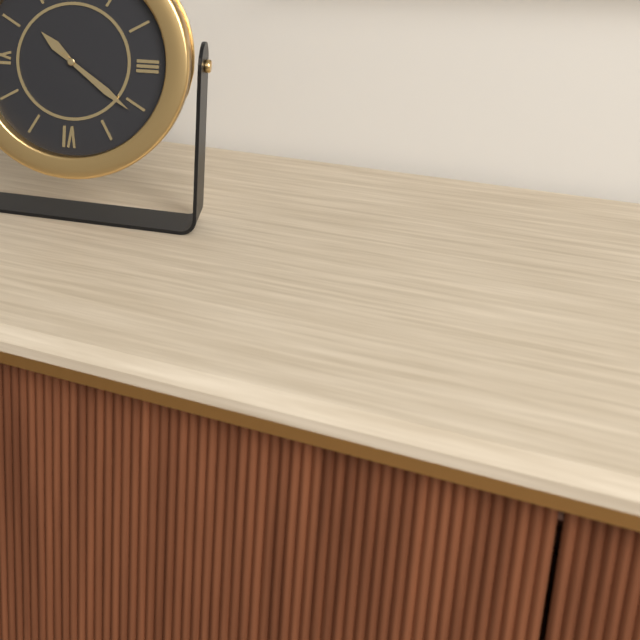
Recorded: **10:21**
